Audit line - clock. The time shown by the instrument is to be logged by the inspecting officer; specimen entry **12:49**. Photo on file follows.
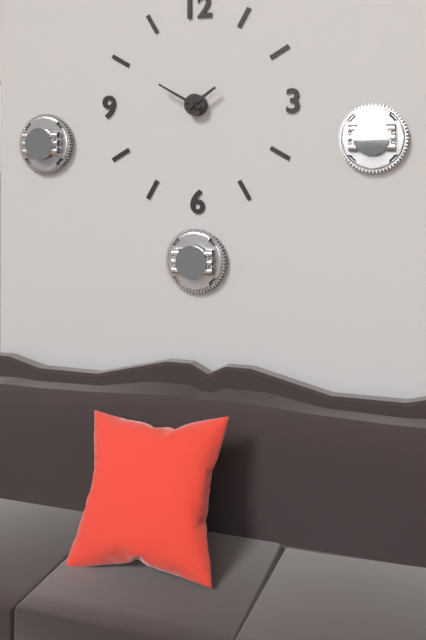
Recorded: **1:50**
